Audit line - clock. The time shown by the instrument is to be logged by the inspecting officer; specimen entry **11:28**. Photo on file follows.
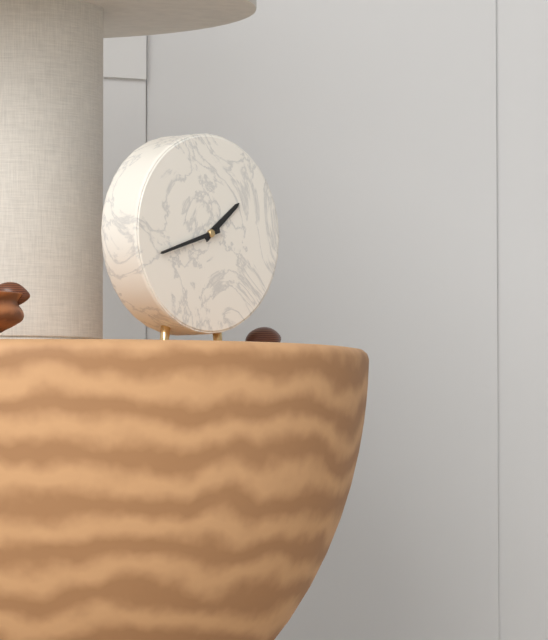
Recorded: **1:42**
